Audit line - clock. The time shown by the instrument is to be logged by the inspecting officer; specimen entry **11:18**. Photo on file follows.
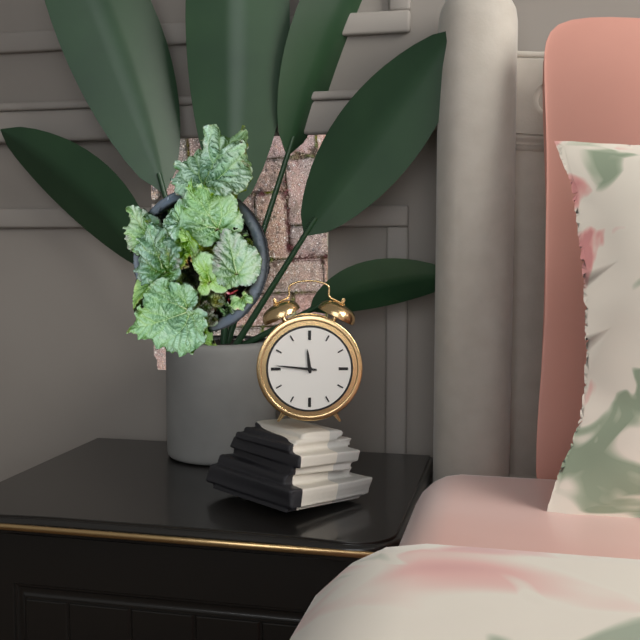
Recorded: **11:46**
